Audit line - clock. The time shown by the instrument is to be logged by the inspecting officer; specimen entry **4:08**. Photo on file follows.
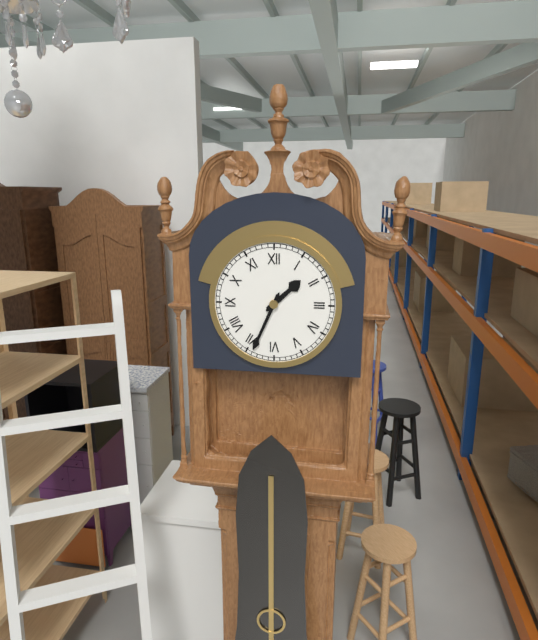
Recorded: **1:34**
